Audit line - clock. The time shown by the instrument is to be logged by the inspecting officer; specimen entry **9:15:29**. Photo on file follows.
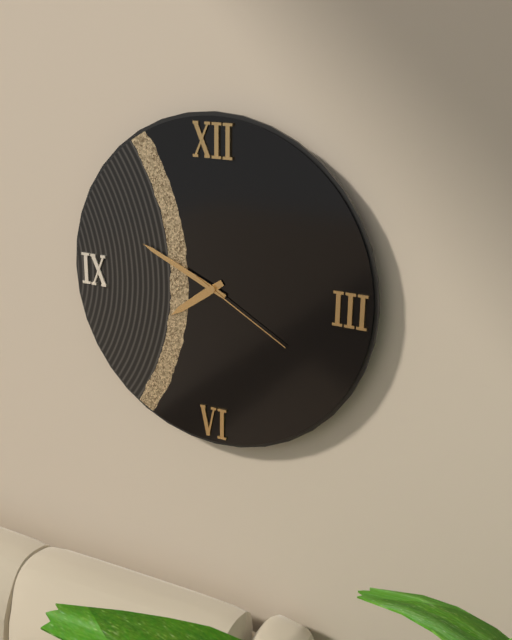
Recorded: **7:49:20**
